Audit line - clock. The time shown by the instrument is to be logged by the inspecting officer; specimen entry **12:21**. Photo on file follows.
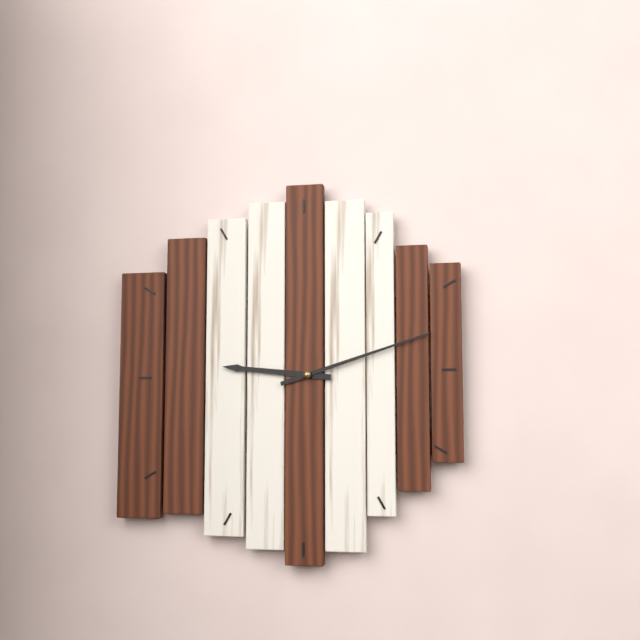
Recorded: **9:12**
